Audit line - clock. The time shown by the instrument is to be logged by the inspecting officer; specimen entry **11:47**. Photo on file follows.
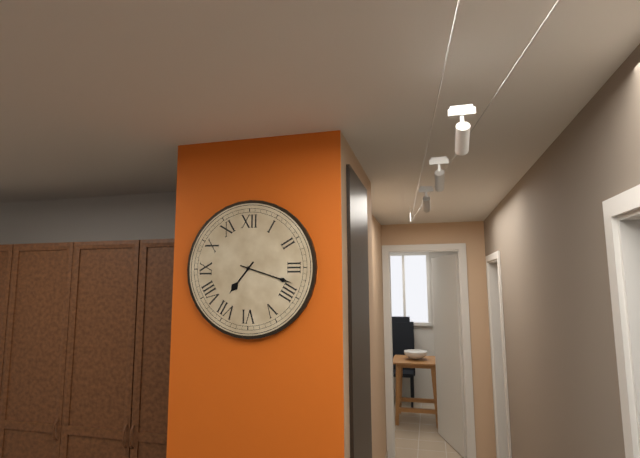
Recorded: **7:18**
